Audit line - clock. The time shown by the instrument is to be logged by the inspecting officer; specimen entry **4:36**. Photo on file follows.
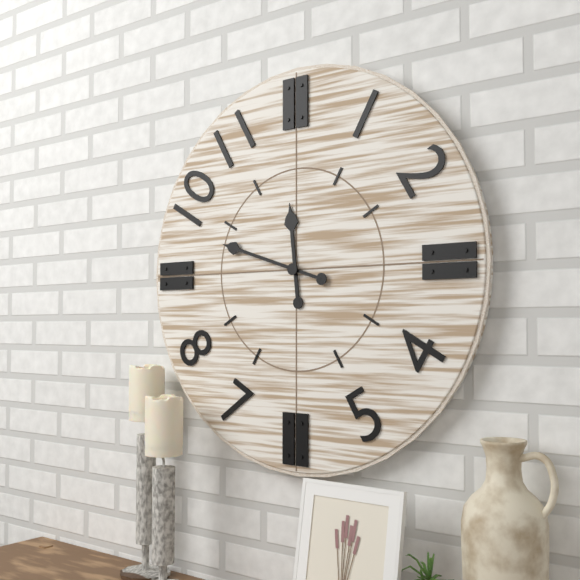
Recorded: **11:48**
